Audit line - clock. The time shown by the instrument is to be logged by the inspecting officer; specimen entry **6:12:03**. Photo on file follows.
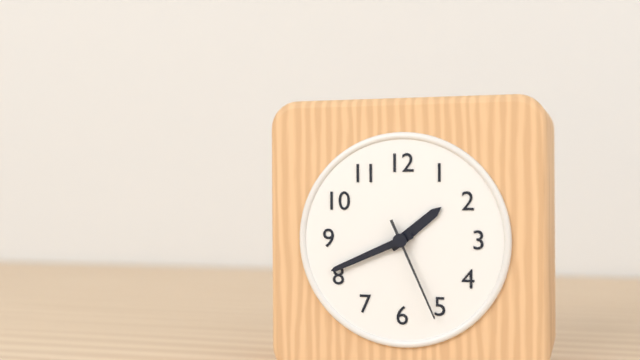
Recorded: **1:41:26**
